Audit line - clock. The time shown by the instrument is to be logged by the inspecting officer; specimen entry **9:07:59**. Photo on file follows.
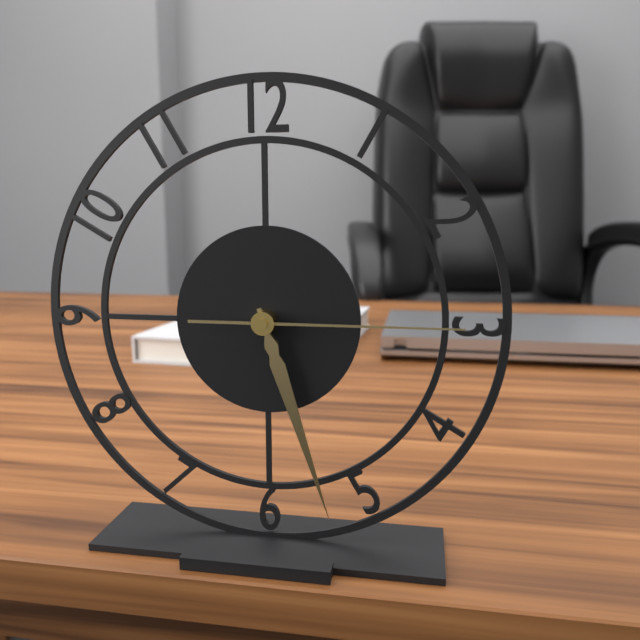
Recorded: **5:27:15**
